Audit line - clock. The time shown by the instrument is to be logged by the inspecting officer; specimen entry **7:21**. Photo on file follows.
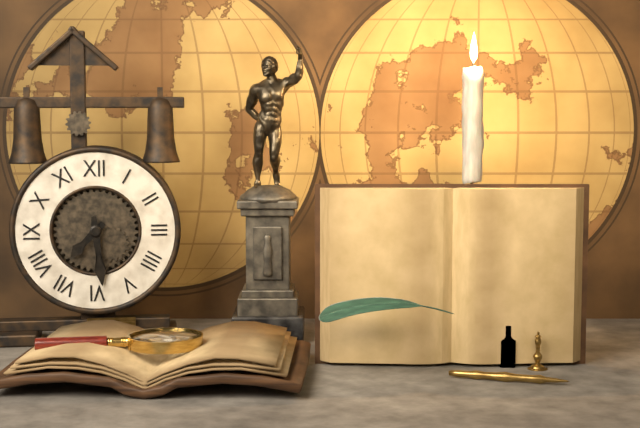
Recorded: **7:29**
